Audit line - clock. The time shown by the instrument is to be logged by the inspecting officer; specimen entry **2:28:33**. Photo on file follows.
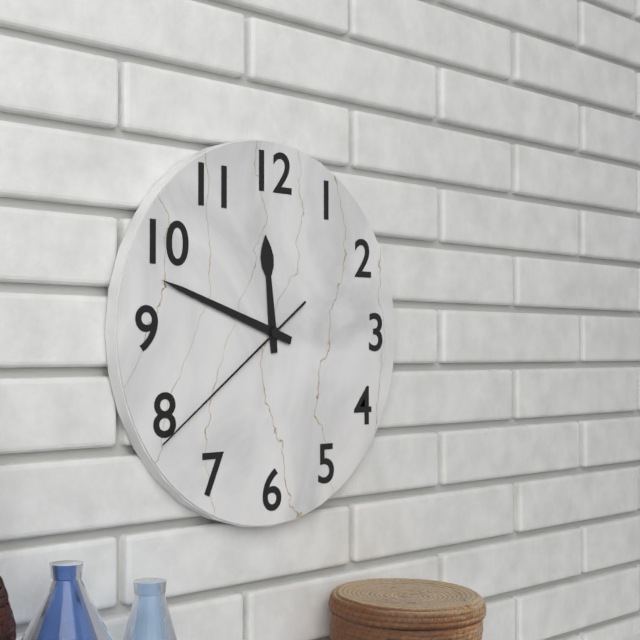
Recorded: **11:48:39**
